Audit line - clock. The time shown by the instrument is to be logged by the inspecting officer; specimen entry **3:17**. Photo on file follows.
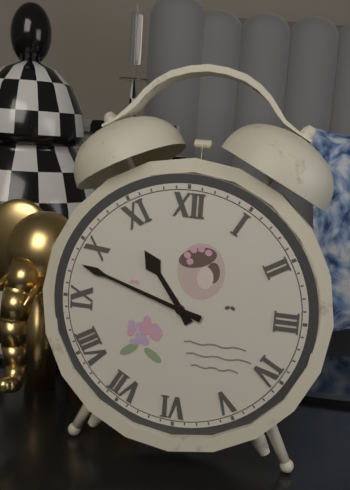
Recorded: **10:48**
